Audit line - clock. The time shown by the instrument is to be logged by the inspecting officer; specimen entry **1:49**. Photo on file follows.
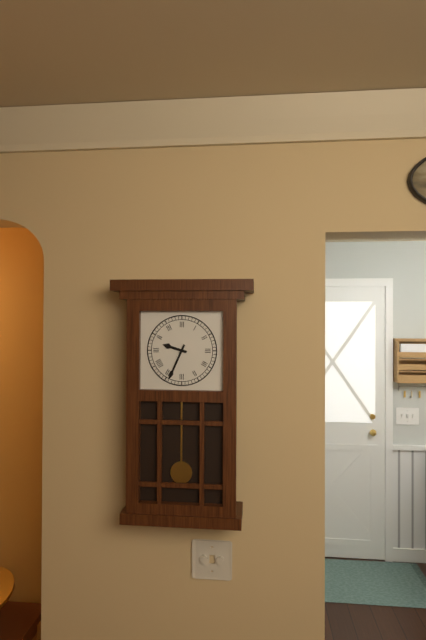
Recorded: **9:34**
